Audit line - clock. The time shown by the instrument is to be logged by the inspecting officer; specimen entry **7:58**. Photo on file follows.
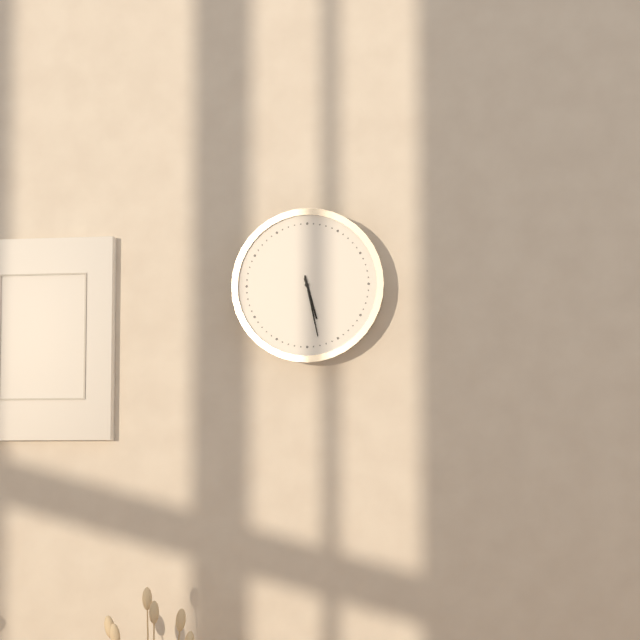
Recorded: **5:28**
